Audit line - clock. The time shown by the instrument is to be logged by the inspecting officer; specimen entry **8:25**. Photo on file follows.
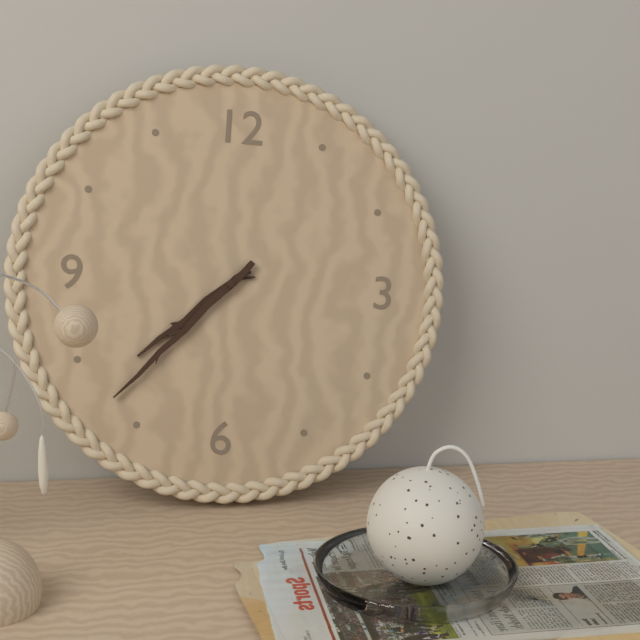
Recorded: **7:37**
